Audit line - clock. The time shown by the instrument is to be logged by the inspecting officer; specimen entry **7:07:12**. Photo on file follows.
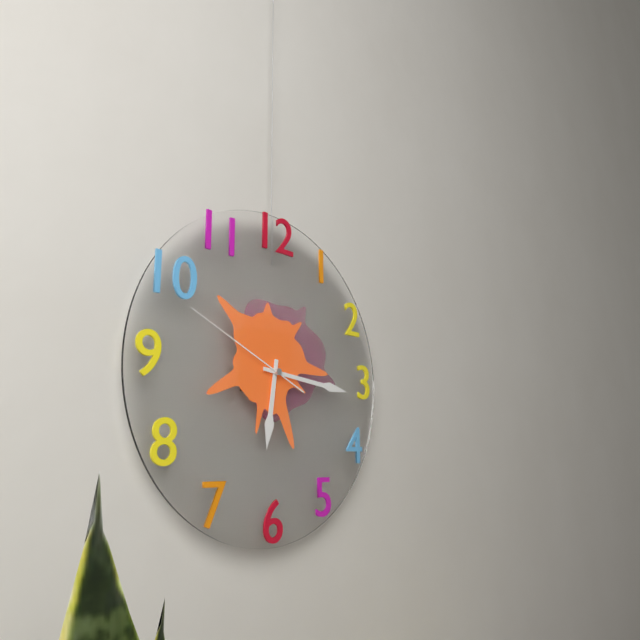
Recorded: **6:16:49**
